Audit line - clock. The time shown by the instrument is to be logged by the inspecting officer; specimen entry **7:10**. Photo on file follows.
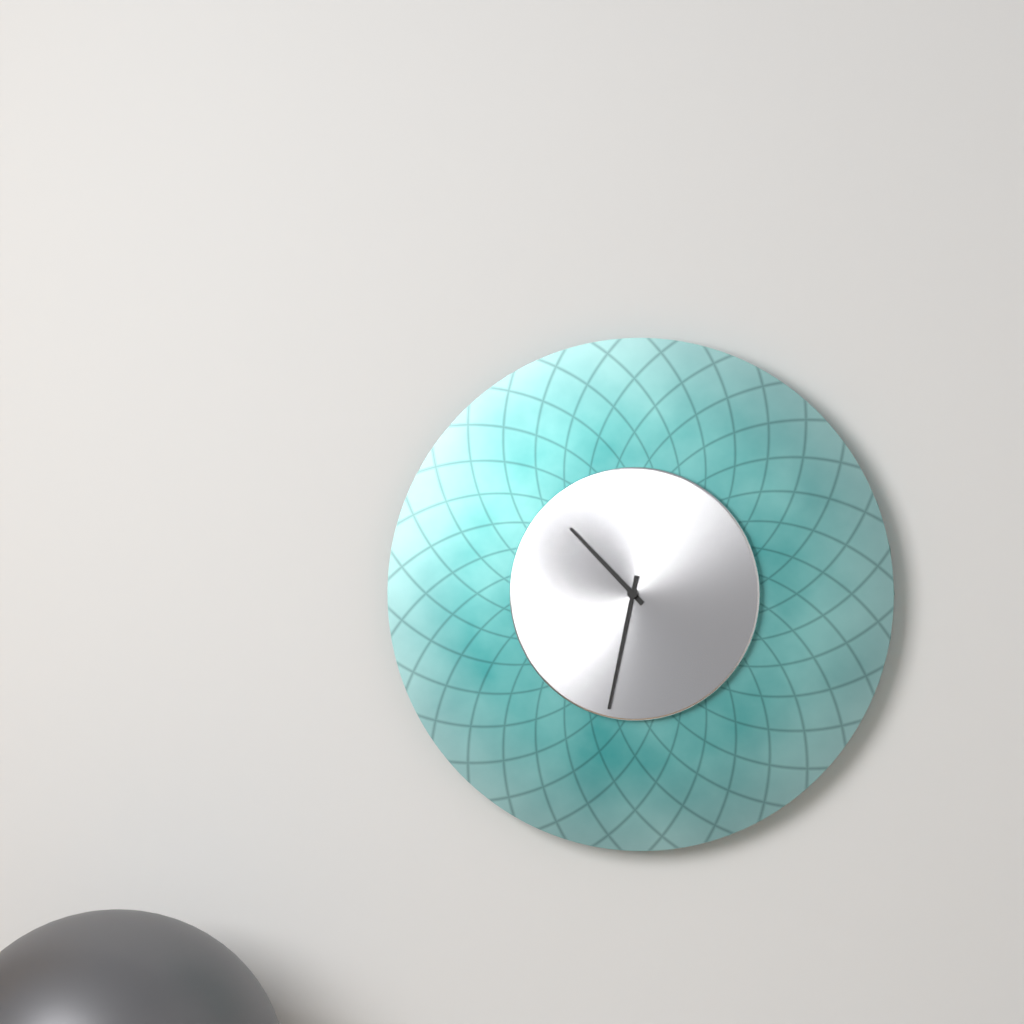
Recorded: **10:32**
